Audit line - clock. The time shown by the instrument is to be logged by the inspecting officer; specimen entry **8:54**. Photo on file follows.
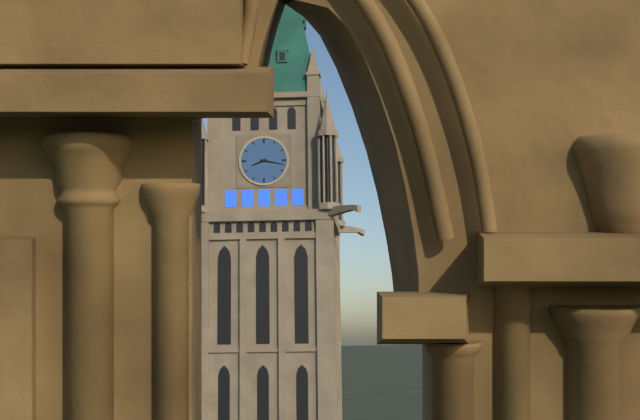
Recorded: **8:17**
